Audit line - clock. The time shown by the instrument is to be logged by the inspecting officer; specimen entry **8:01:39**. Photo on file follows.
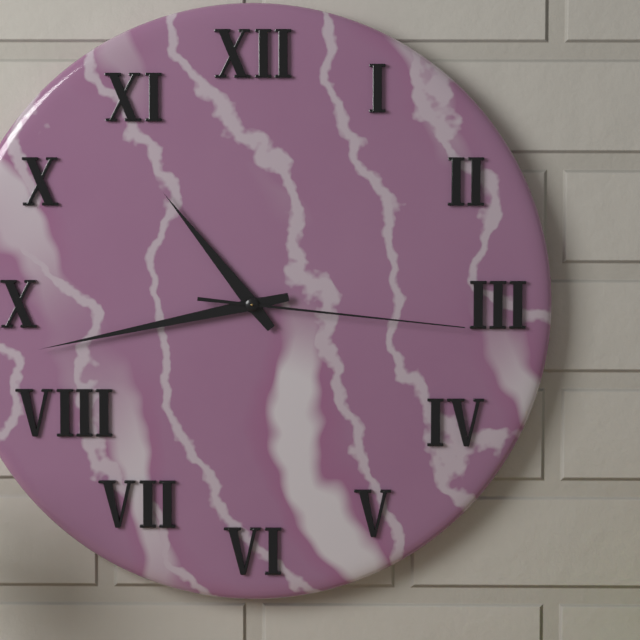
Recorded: **10:43:16**
